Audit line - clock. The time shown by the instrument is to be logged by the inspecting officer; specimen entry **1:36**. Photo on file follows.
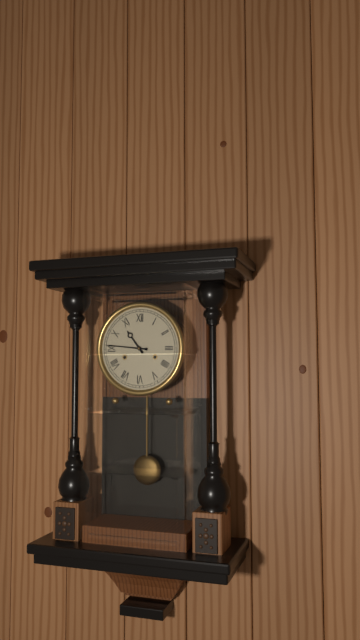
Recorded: **10:46**
